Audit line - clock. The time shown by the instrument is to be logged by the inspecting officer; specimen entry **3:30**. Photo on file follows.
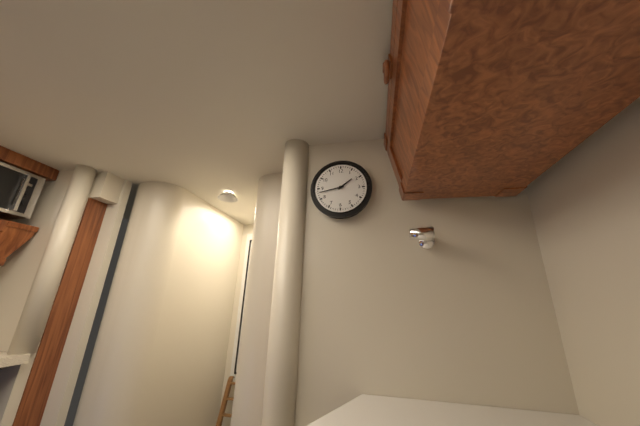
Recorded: **1:43**
